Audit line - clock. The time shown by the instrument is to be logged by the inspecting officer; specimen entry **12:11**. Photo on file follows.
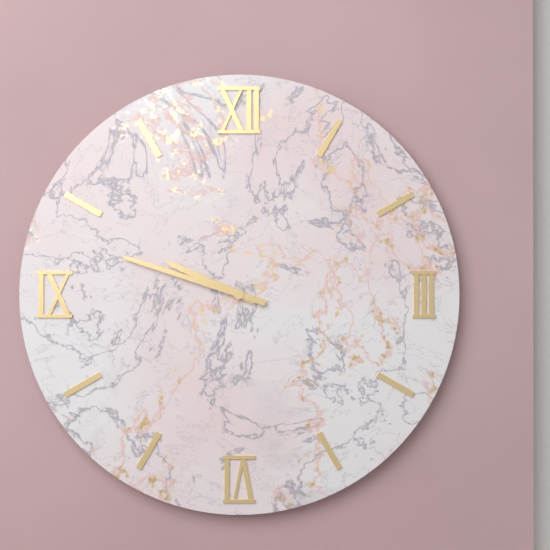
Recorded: **9:48**
